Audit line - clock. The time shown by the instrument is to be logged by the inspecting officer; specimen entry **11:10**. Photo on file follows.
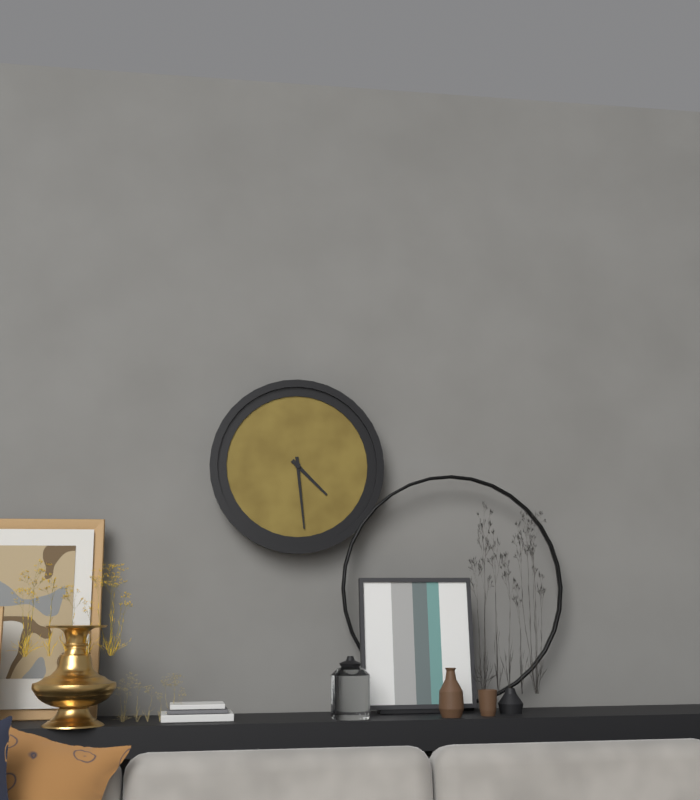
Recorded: **4:29**
